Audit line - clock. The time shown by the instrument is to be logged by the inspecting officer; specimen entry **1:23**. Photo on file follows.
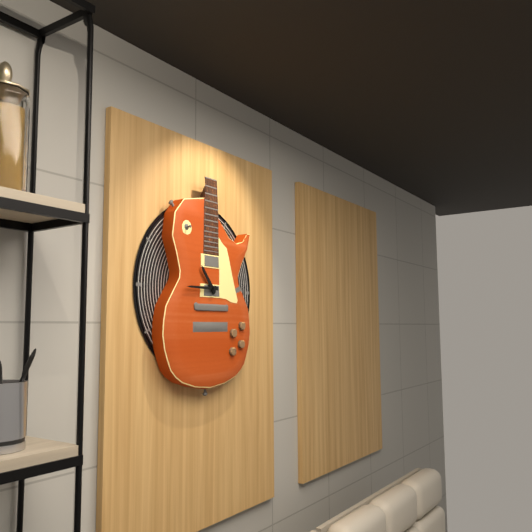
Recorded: **10:45**
